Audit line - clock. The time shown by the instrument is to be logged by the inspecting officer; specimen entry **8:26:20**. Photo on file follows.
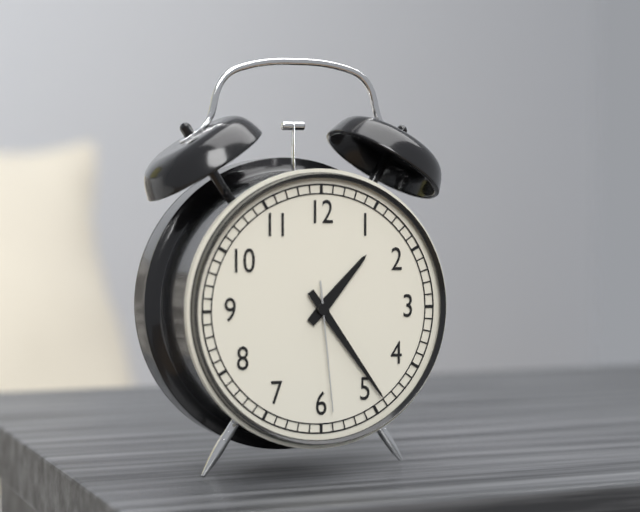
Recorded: **1:24:29**
